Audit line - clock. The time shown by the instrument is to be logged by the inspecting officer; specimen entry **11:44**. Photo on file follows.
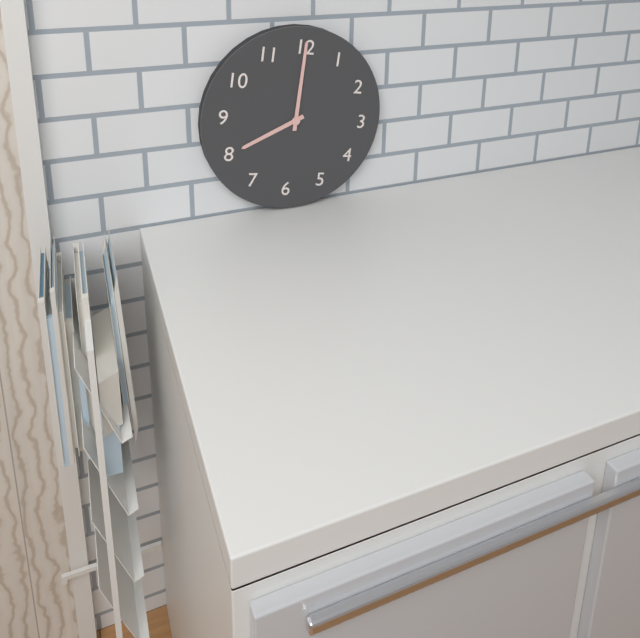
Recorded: **8:00**
